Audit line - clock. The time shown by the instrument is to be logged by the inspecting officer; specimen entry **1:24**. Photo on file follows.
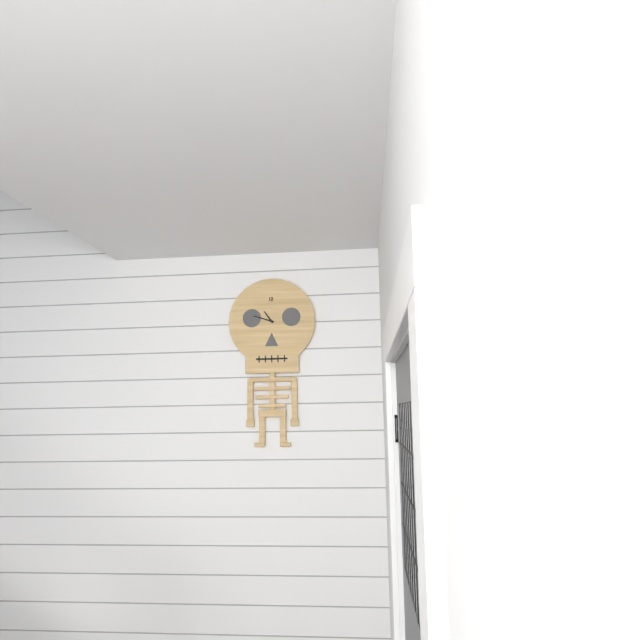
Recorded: **10:48**
